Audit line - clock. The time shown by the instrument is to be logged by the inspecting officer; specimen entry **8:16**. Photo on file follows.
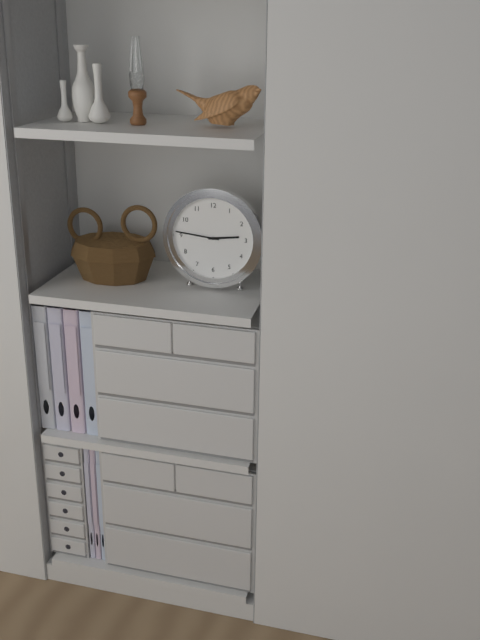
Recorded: **2:46**
